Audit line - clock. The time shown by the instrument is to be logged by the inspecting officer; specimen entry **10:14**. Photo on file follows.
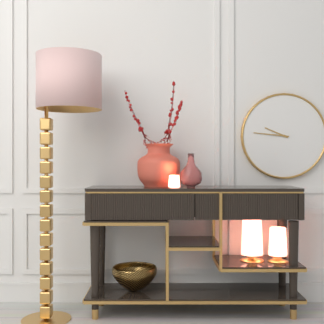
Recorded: **9:46**
